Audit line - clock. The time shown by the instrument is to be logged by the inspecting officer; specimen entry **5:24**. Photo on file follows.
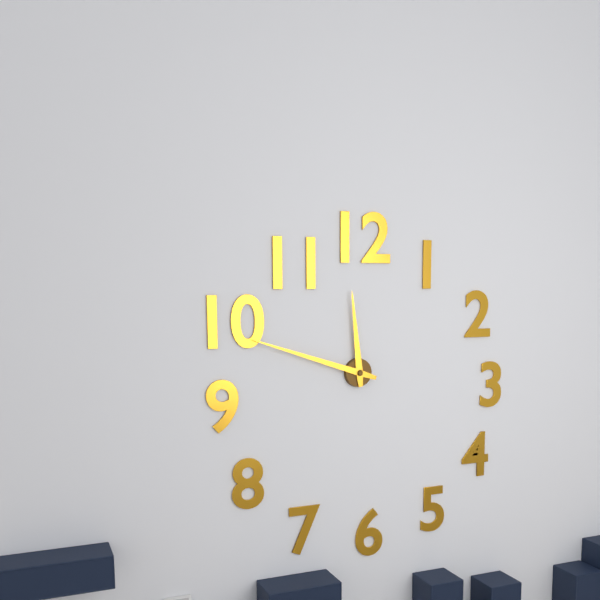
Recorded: **11:48**
